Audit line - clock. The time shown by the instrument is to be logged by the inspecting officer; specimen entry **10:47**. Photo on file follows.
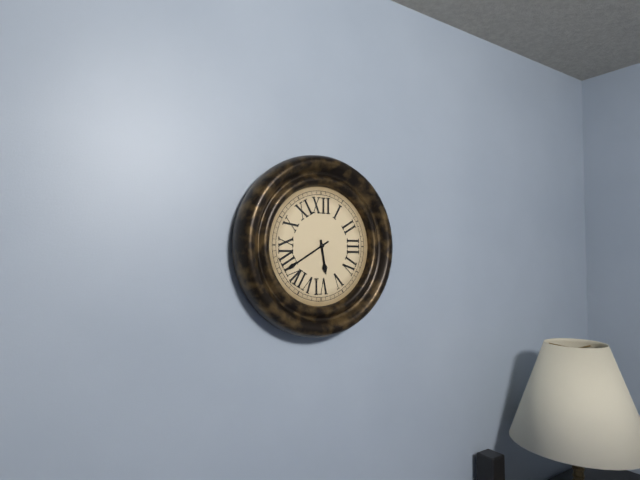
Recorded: **5:40**
